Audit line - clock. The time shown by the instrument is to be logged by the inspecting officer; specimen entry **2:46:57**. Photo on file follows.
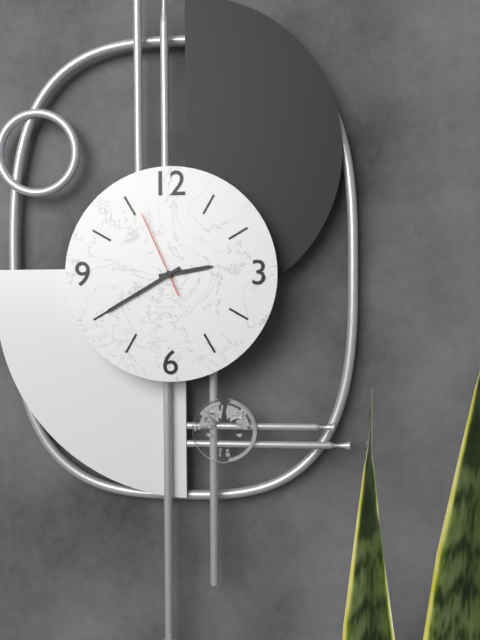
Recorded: **2:40:56**
